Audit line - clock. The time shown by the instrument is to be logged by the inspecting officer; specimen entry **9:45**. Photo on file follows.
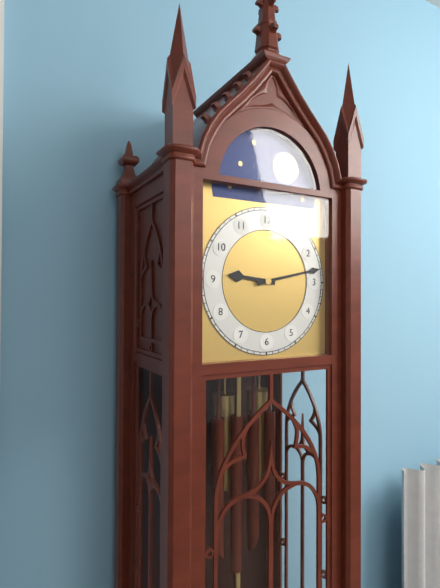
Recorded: **9:13**
